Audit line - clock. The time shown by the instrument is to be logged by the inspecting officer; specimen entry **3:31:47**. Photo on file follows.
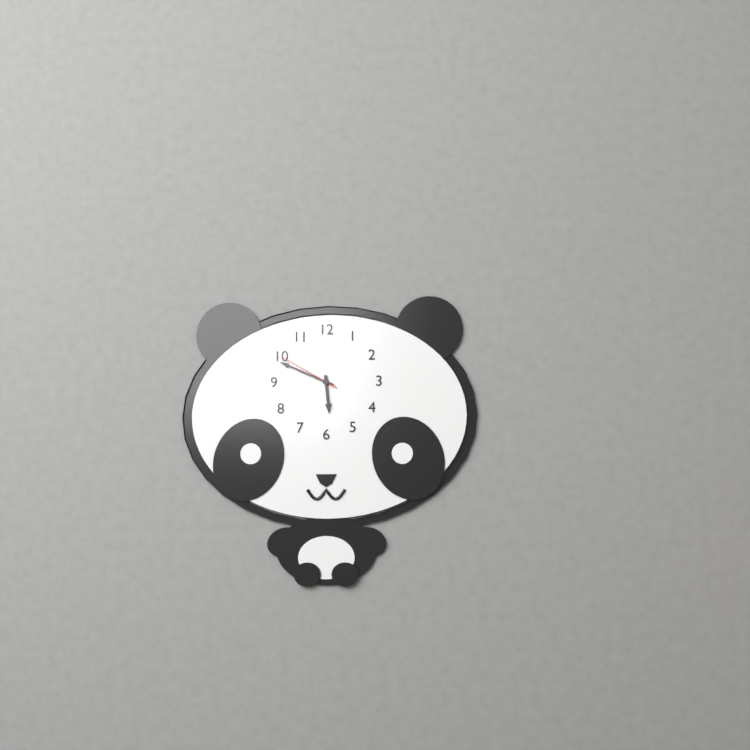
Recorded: **5:49:50**
